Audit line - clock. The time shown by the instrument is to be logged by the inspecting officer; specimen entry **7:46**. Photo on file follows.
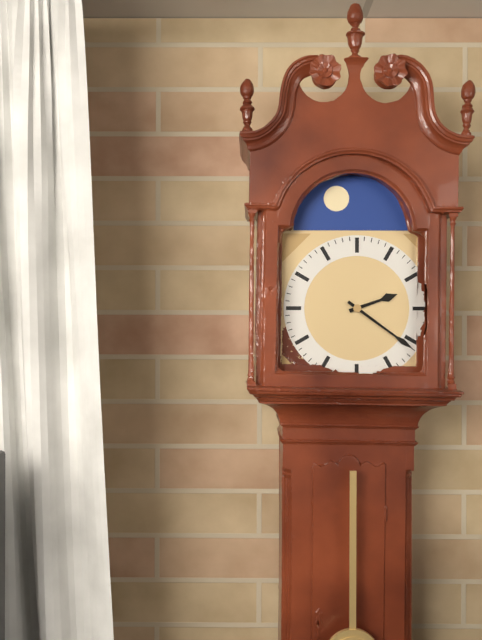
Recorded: **2:21**
